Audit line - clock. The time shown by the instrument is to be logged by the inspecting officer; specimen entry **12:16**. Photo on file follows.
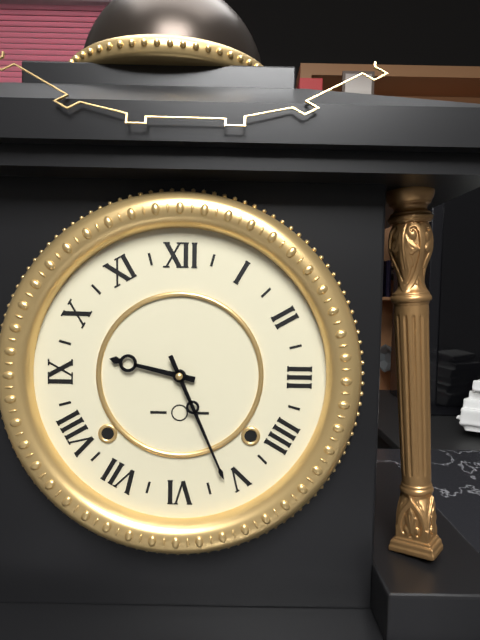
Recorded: **9:26**
